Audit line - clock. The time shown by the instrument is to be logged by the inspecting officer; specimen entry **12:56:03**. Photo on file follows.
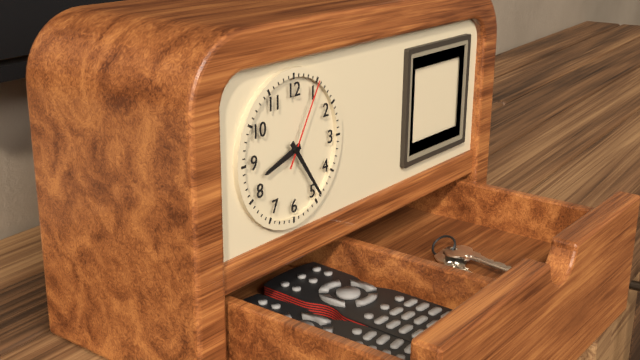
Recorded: **8:24:05**
